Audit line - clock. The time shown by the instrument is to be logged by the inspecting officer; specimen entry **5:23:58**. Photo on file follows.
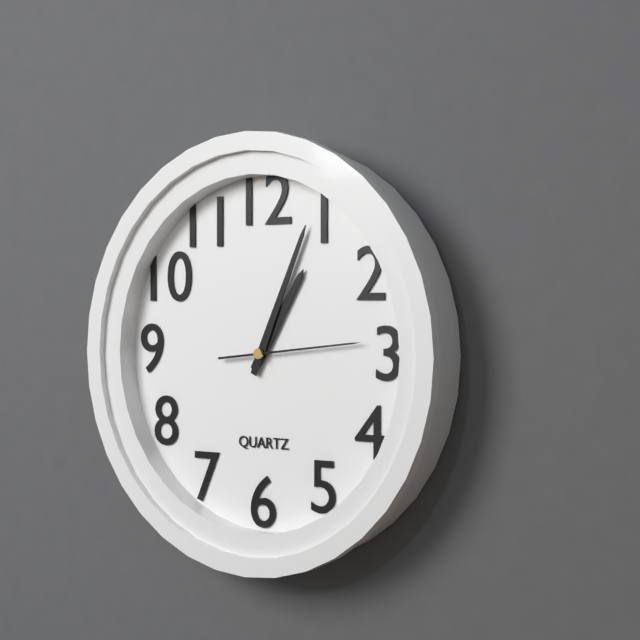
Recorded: **1:04:14**
